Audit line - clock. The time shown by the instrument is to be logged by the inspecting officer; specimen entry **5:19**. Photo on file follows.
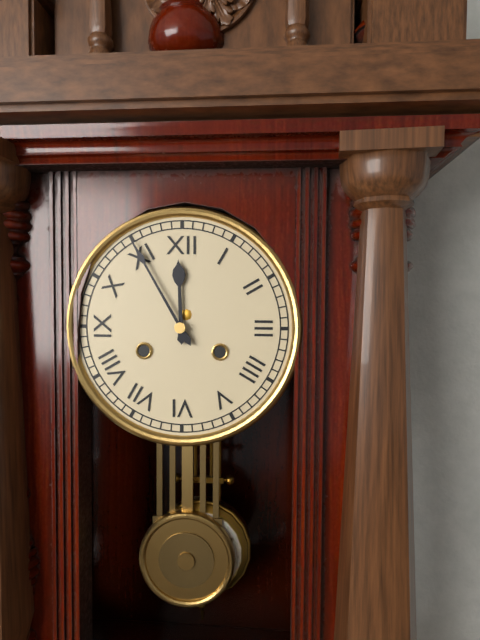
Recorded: **11:55**
